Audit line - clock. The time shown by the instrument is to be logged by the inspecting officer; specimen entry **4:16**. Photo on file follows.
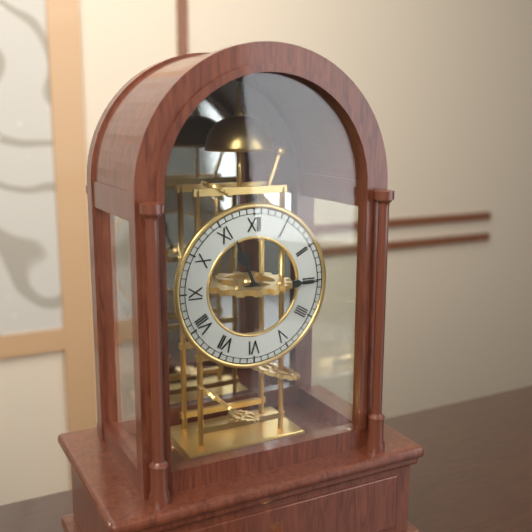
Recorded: **11:15**
